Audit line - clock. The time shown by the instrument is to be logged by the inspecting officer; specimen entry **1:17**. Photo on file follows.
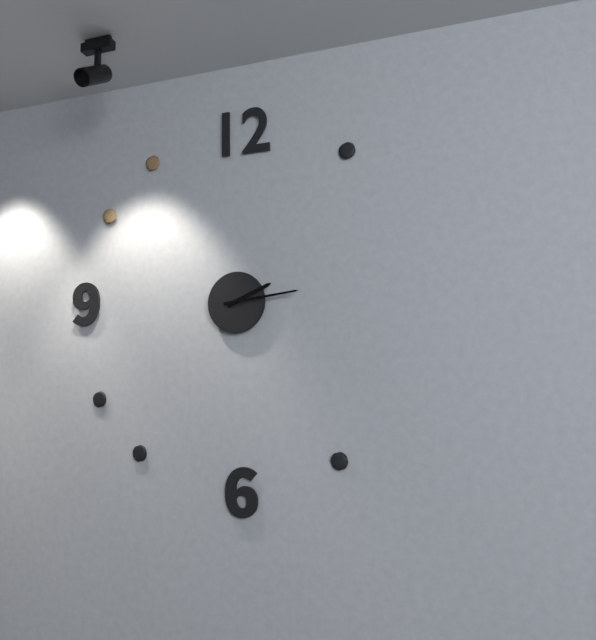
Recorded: **2:14**
